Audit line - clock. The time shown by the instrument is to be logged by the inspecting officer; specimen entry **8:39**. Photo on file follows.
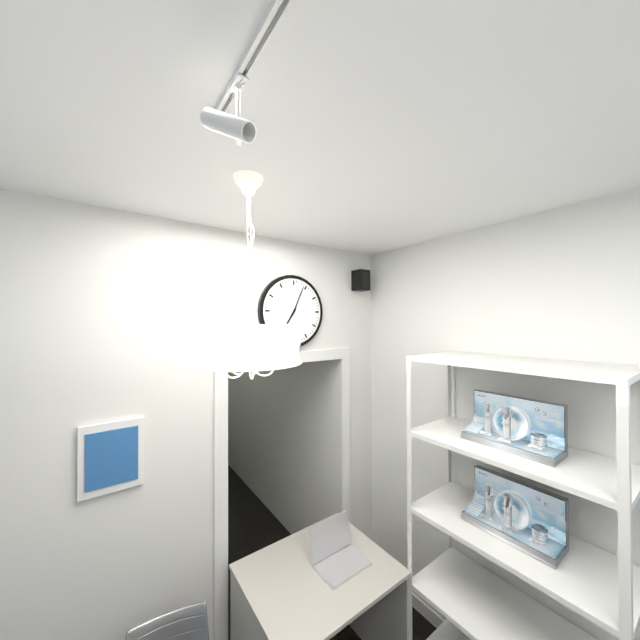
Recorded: **7:04**
